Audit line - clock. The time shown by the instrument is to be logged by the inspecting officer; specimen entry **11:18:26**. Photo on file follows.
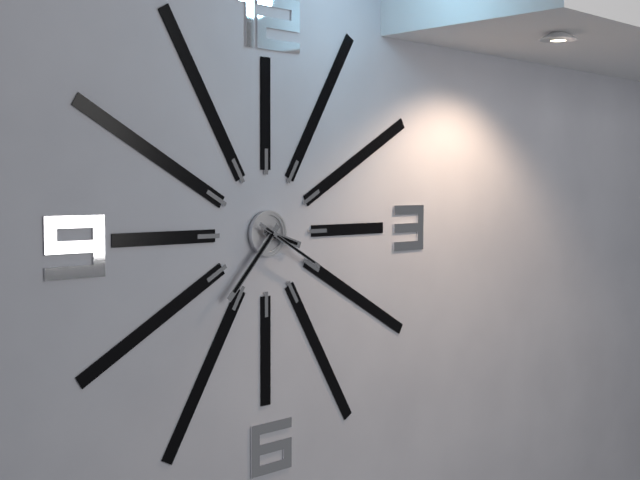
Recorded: **3:37:20**
